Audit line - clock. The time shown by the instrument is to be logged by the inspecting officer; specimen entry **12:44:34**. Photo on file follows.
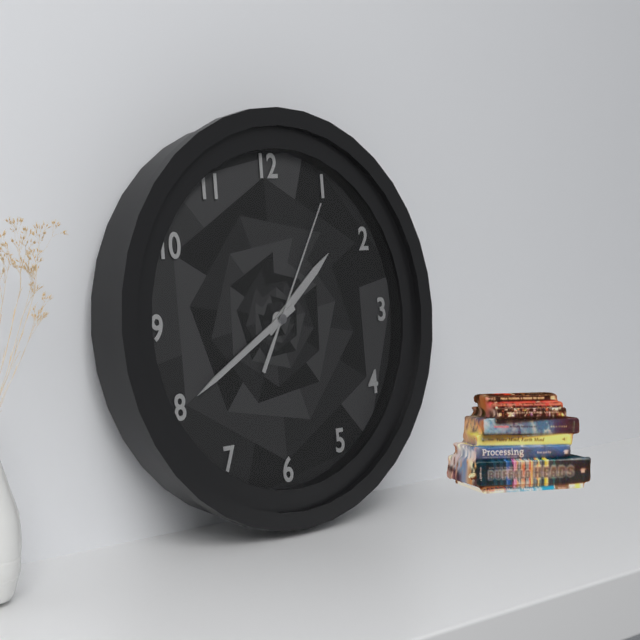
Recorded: **1:40:05**
